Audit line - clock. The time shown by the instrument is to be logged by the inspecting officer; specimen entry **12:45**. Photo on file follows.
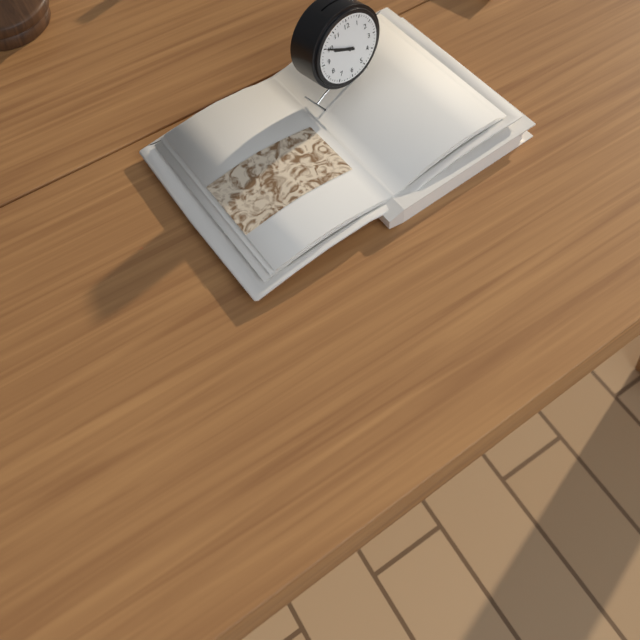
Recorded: **9:50**
